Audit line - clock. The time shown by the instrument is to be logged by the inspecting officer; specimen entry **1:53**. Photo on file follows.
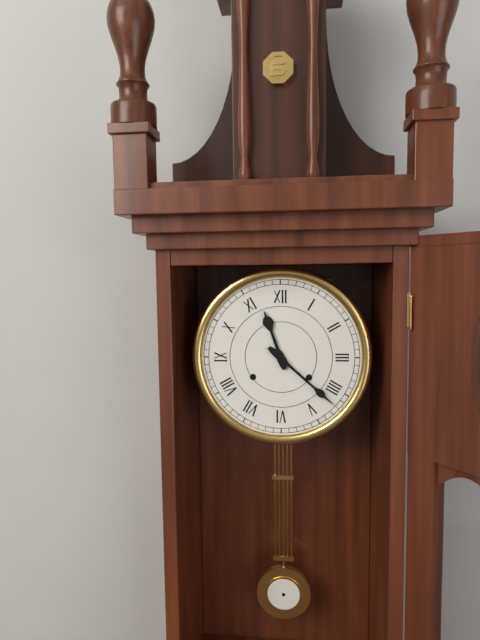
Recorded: **11:22**
